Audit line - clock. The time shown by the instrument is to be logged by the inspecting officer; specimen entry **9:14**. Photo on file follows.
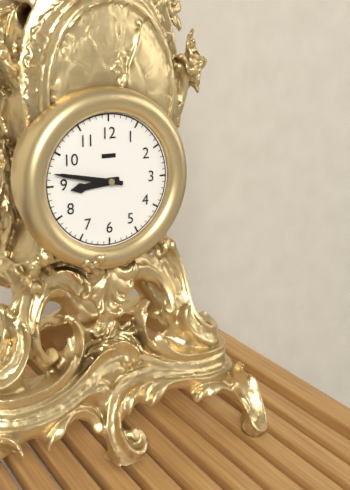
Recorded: **8:47**
